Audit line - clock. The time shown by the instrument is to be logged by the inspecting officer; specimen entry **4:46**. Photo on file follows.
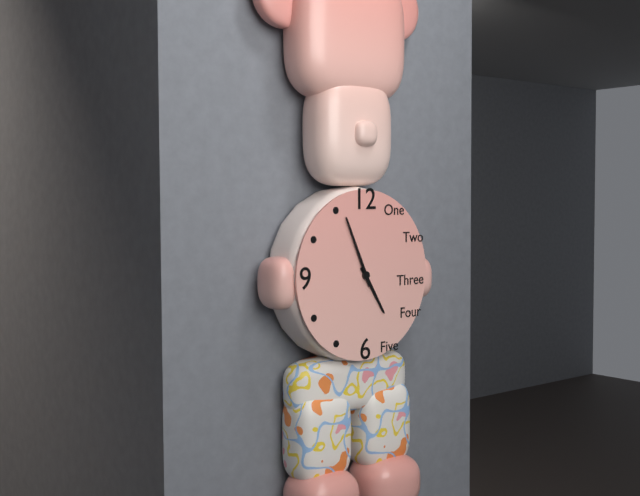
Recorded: **4:56**
